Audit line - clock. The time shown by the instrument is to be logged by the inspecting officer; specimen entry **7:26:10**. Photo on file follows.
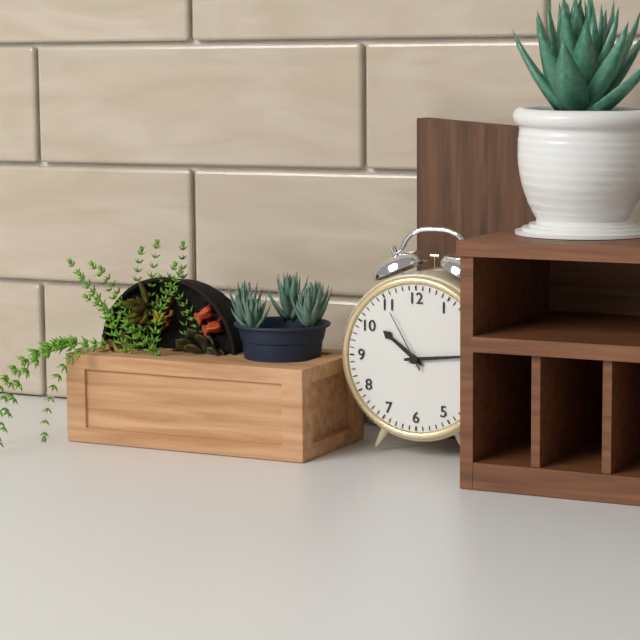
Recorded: **10:14:55**
